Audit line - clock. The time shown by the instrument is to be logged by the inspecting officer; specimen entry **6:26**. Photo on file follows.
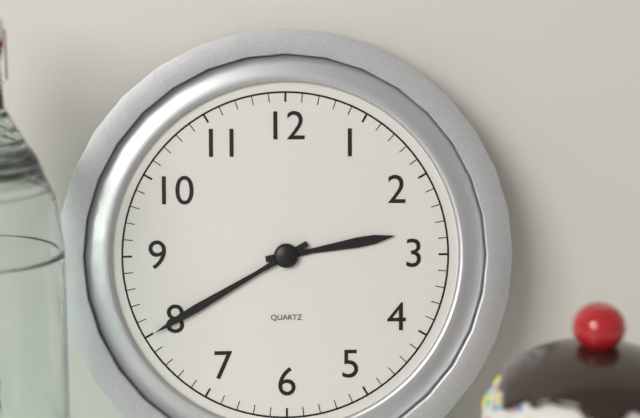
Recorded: **2:40**
